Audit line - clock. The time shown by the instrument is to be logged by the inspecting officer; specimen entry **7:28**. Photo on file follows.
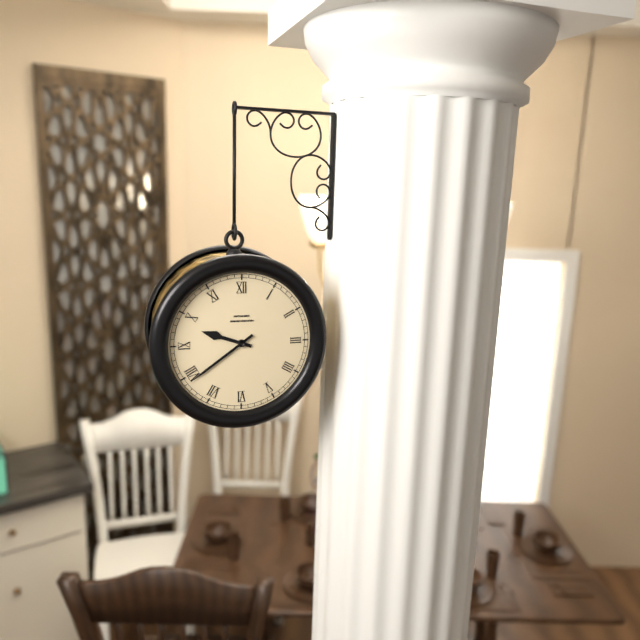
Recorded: **9:39**
